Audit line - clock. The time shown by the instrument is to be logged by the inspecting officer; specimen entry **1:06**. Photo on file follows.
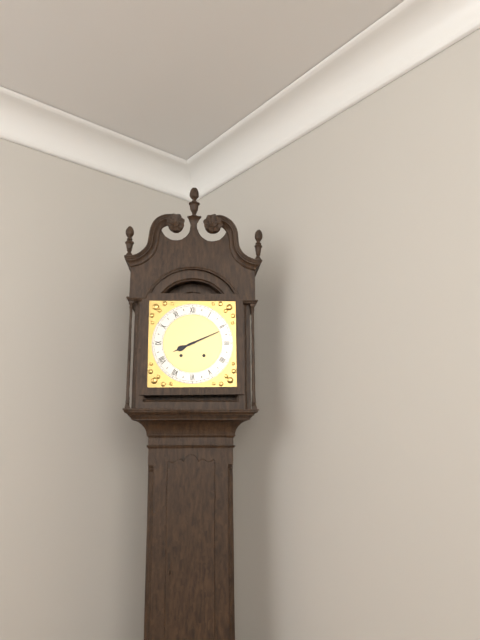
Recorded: **8:11**
